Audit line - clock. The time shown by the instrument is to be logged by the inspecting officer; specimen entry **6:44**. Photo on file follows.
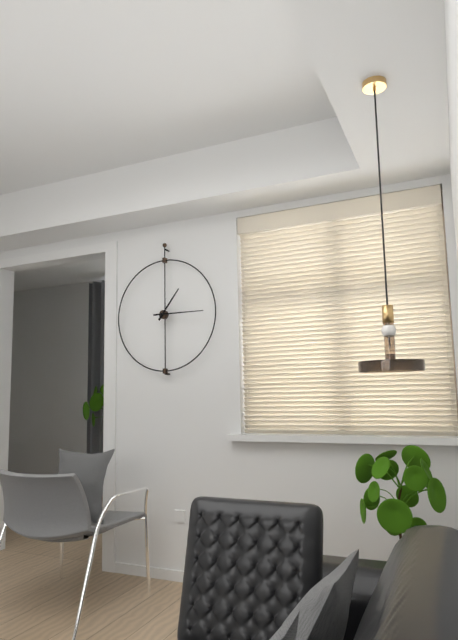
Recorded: **1:15**
